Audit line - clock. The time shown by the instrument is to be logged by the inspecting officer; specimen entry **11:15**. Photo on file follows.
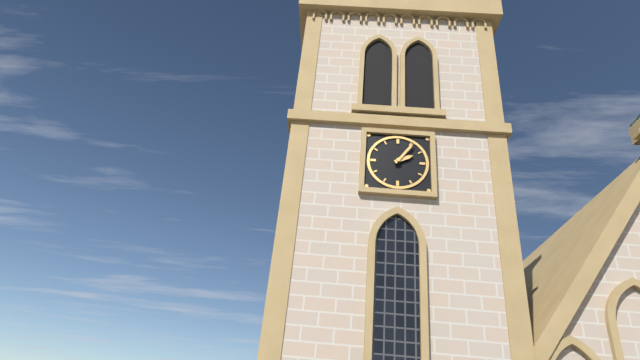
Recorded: **2:06**
